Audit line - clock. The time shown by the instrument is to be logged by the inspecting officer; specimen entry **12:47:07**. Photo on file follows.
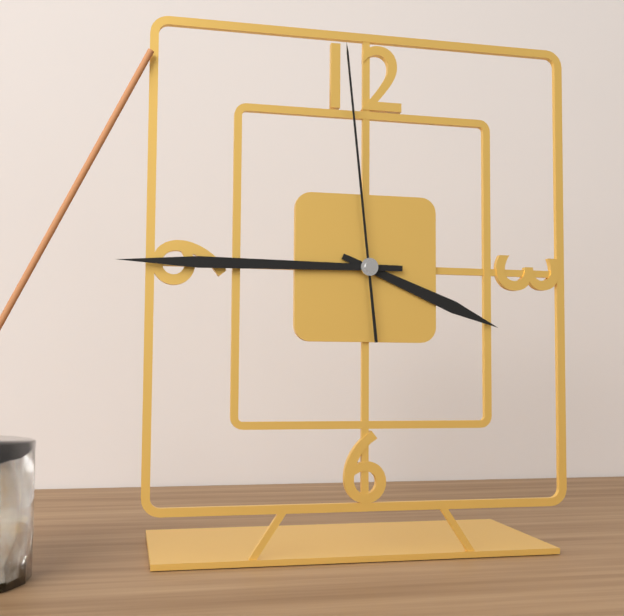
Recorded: **3:45:59**
